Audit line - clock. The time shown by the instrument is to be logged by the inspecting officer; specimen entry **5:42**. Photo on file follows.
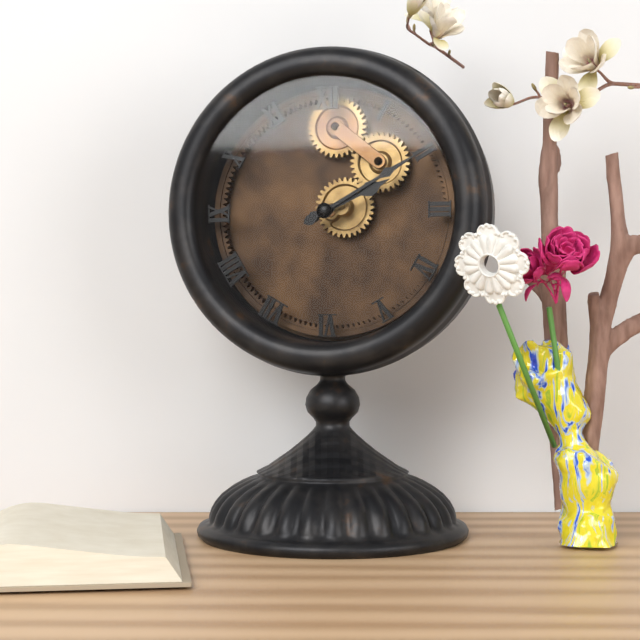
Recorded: **2:10**
